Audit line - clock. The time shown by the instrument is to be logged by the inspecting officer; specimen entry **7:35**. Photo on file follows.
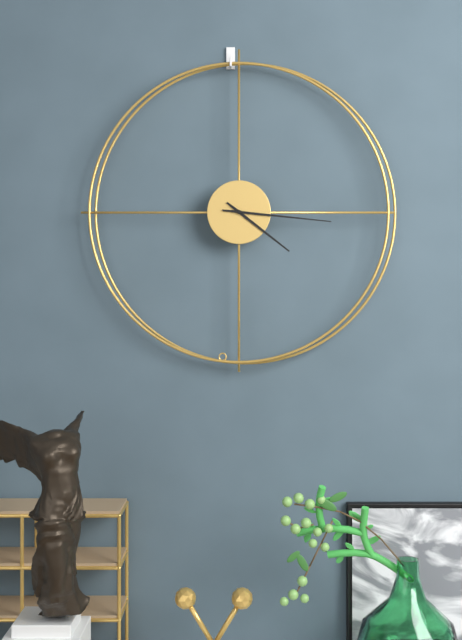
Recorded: **4:16**
